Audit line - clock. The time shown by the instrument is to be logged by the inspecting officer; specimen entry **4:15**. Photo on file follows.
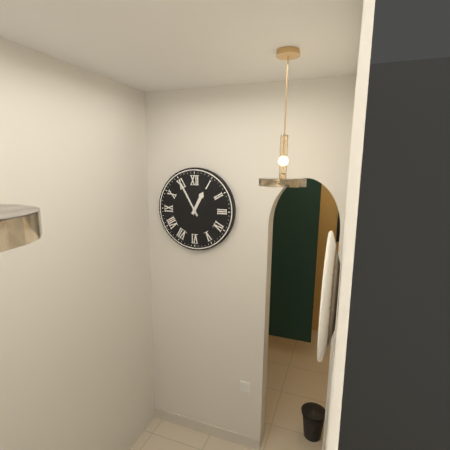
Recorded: **12:55**
